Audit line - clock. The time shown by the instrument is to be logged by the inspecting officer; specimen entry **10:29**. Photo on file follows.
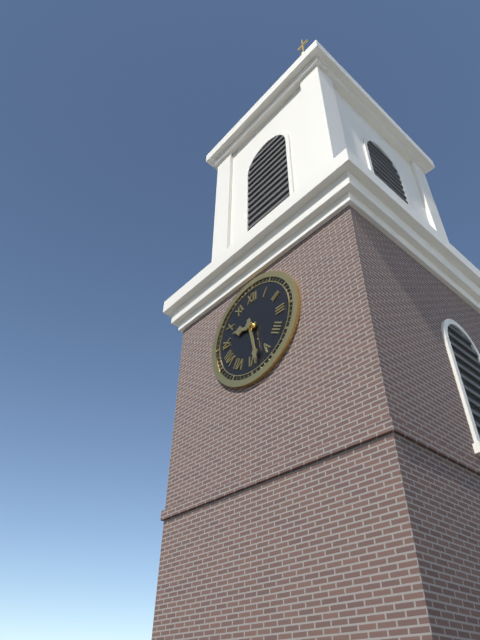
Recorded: **9:28**
